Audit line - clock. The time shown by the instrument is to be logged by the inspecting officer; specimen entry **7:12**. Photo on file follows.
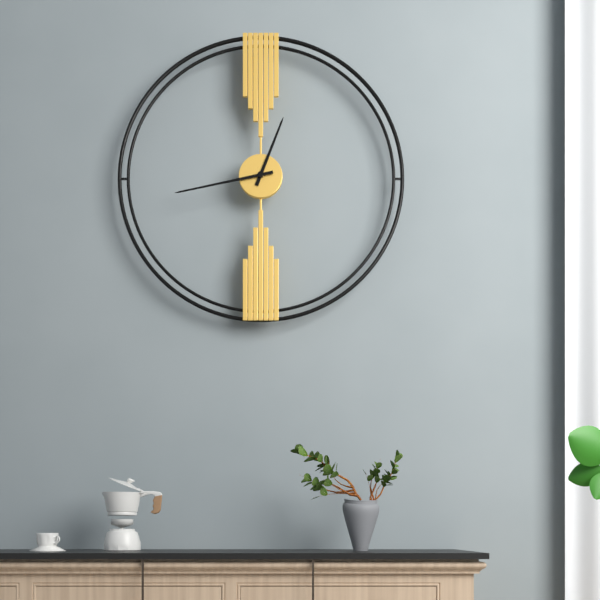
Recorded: **12:43**
